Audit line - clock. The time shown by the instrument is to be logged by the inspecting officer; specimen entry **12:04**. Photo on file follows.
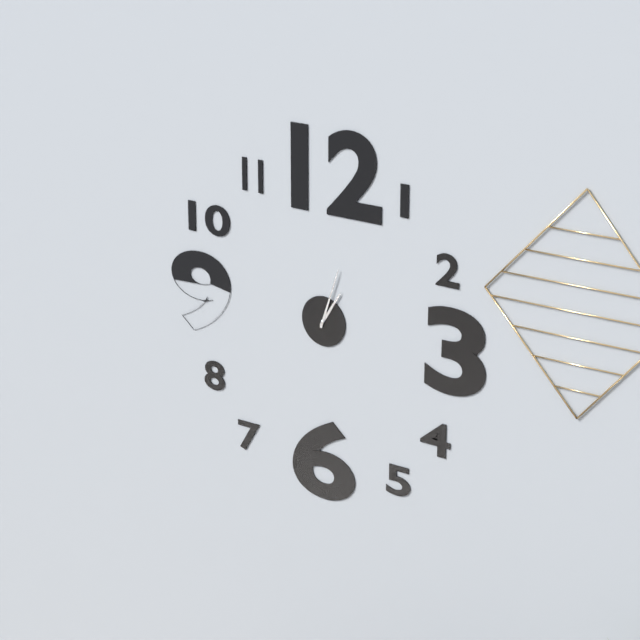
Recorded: **1:03**
